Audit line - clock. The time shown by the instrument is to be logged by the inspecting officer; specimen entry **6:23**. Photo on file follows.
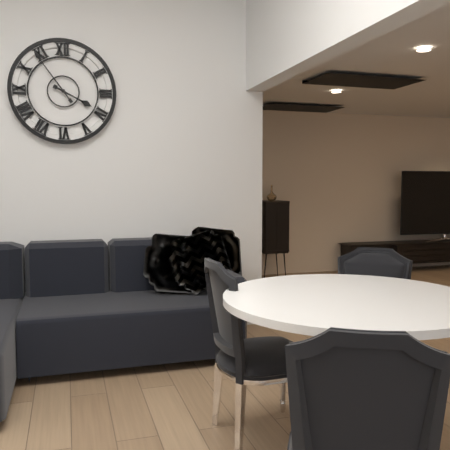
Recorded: **3:54**
